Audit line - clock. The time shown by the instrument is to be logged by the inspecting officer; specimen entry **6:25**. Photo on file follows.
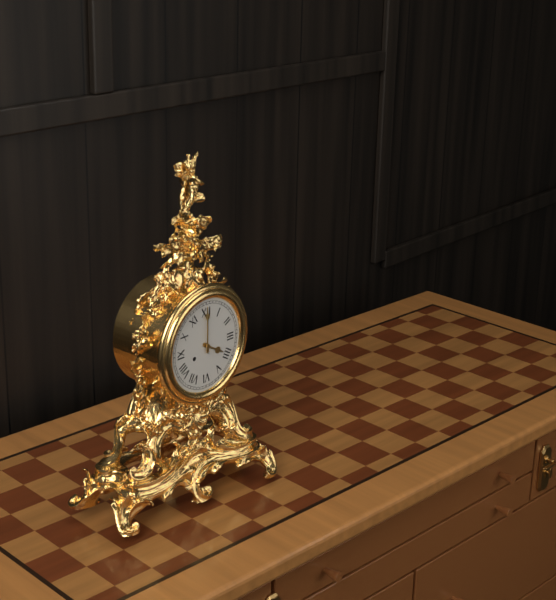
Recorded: **4:00**
